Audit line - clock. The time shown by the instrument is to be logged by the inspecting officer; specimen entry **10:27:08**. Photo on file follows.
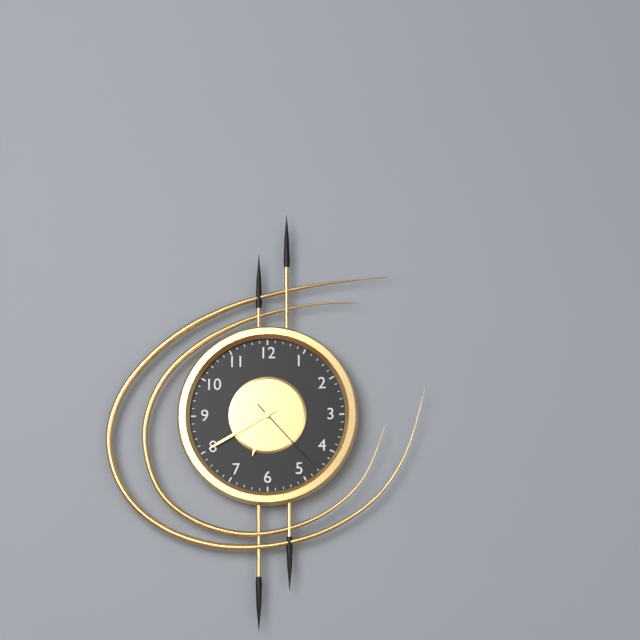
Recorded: **6:40:23**
